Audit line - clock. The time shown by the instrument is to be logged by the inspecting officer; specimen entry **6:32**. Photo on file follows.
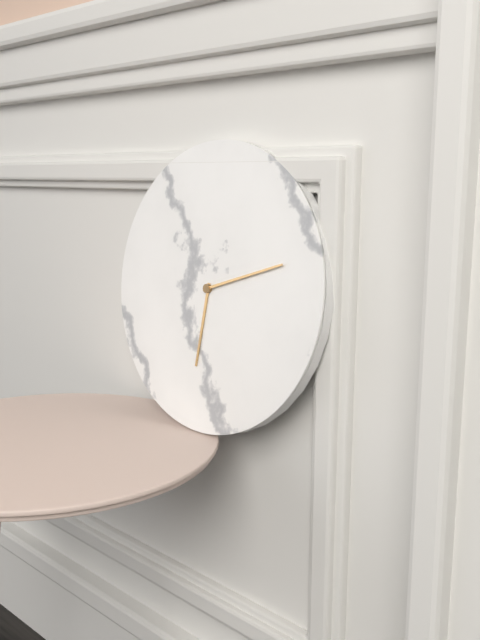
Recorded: **6:12**
